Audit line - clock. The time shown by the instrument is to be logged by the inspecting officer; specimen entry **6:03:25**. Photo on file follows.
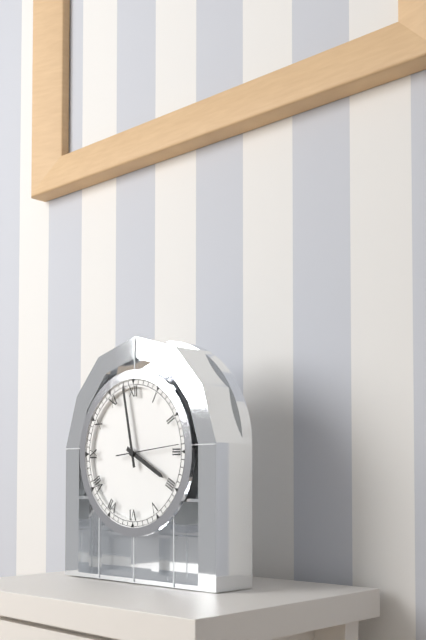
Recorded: **3:58:14**
